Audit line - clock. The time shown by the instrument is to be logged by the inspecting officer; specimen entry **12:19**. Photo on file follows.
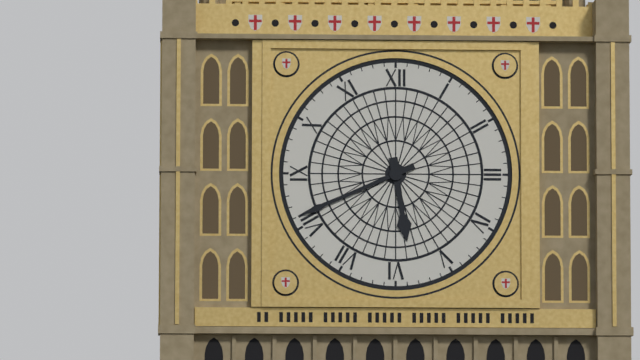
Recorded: **5:41**
